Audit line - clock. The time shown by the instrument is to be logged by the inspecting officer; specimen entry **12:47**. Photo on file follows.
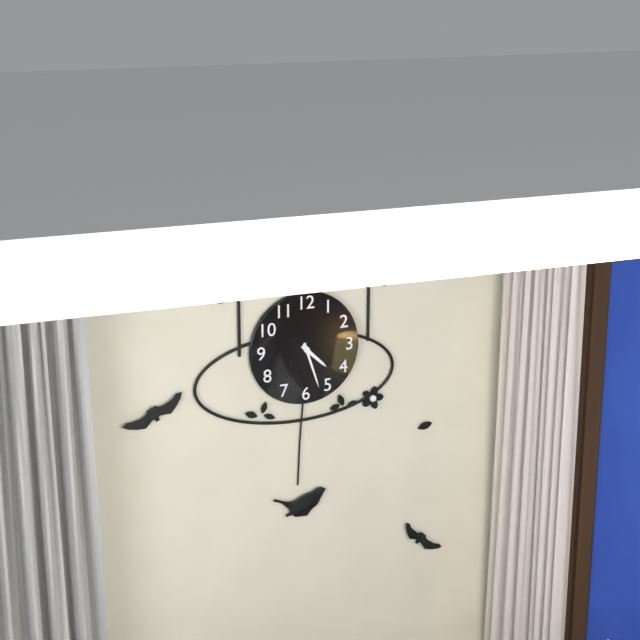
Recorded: **4:27**
